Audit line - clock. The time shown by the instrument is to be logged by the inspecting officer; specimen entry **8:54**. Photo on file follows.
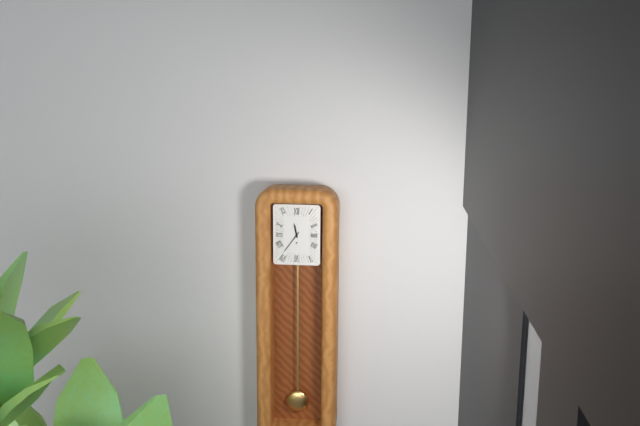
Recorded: **11:36**
